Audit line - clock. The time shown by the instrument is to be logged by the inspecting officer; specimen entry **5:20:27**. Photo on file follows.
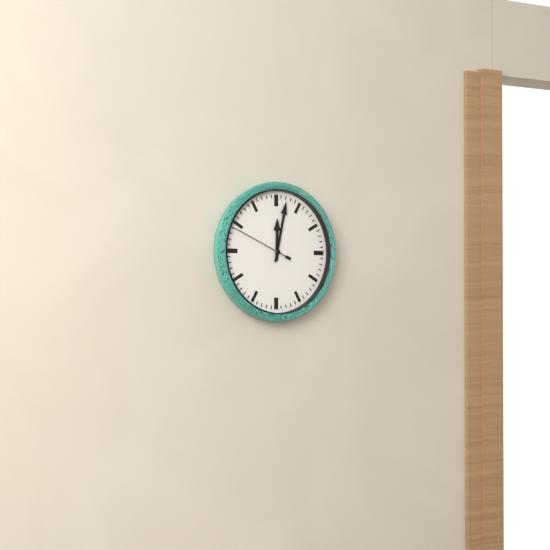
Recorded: **12:02:49**
